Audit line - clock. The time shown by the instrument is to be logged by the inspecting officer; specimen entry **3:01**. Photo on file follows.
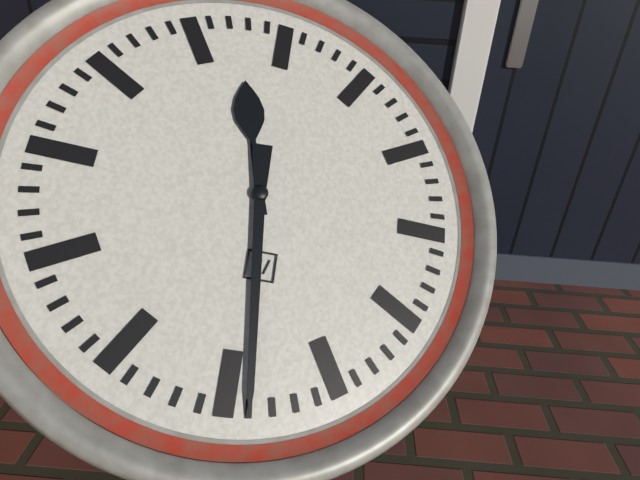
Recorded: **11:29**
